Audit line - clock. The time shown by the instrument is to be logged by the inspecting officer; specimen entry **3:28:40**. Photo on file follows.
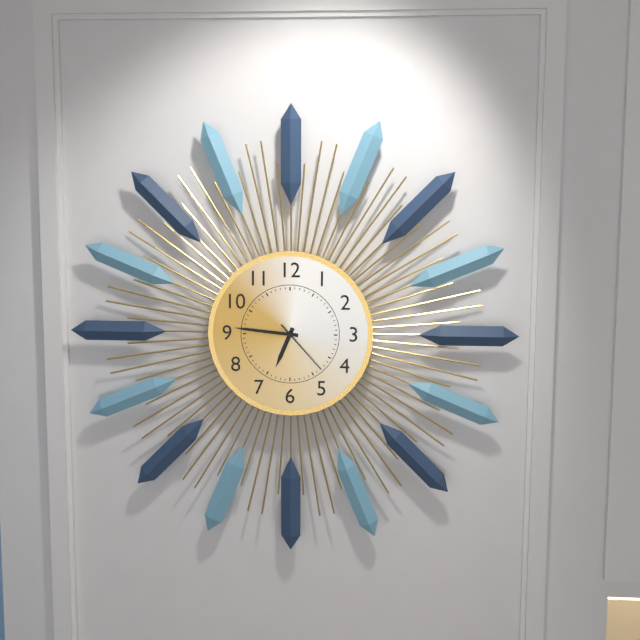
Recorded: **6:46:23**
